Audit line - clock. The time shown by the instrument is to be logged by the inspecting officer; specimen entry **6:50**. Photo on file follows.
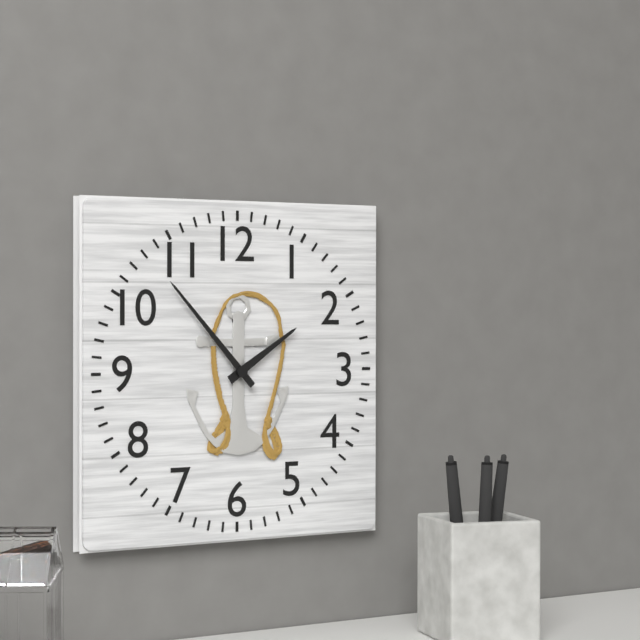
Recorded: **1:53**
